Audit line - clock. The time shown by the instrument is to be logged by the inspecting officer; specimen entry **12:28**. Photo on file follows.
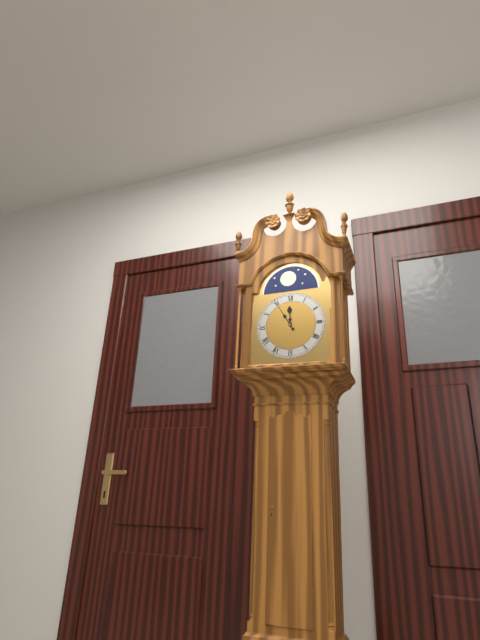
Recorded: **11:55**
